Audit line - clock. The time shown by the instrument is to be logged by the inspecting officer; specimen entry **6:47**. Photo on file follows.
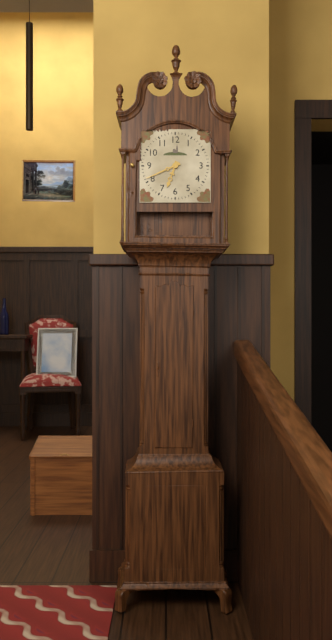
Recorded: **6:41**
